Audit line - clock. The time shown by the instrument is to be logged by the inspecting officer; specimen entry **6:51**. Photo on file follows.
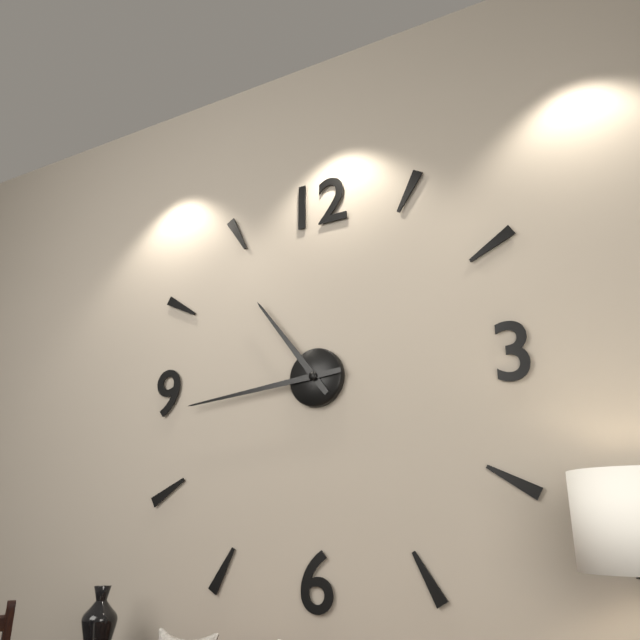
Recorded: **10:44**
